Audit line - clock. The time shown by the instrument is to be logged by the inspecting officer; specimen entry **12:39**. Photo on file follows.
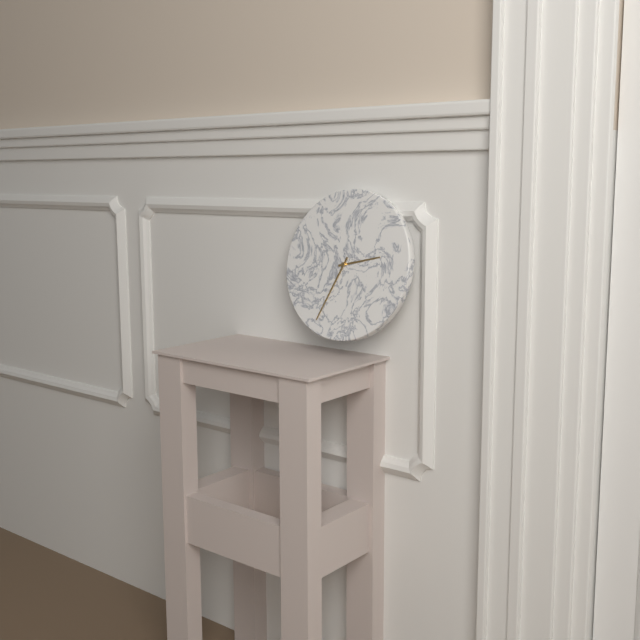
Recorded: **2:34**
